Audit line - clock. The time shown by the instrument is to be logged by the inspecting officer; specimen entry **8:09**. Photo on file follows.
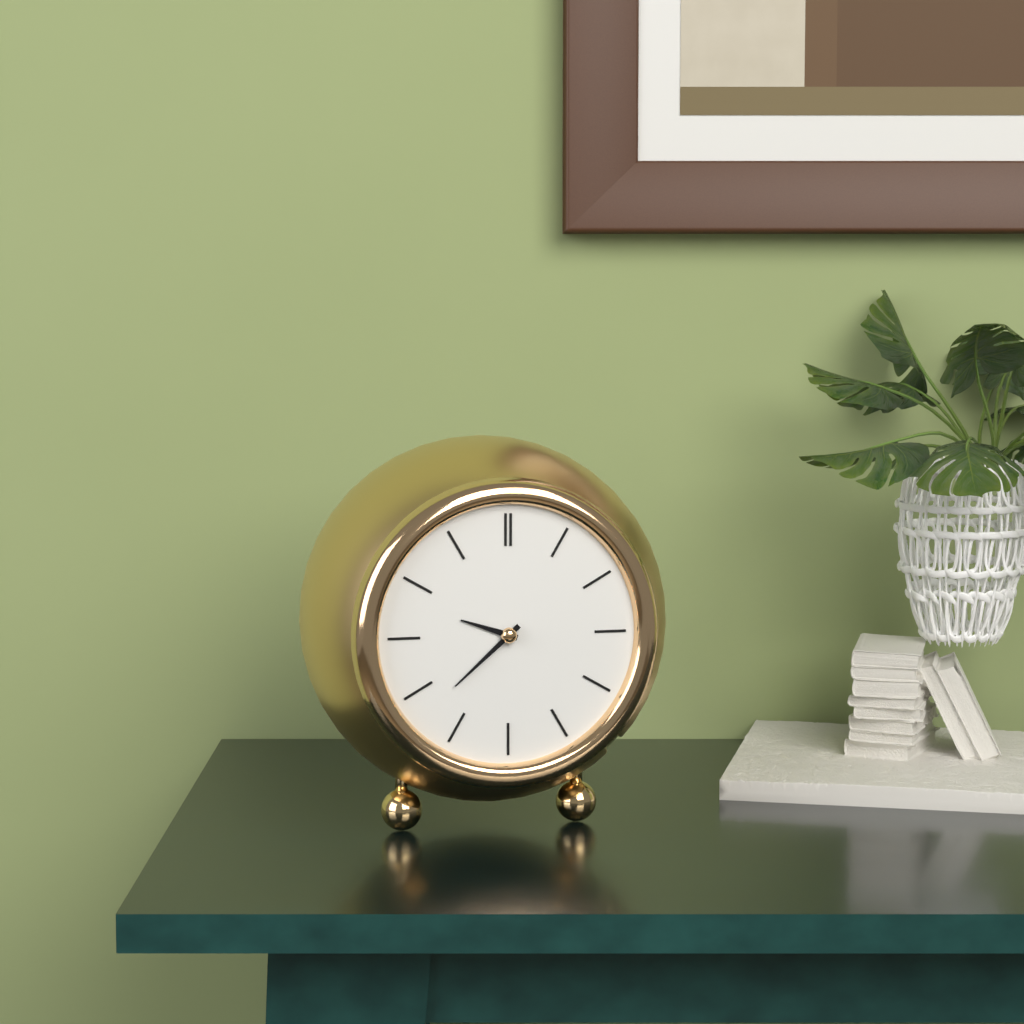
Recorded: **9:38**
